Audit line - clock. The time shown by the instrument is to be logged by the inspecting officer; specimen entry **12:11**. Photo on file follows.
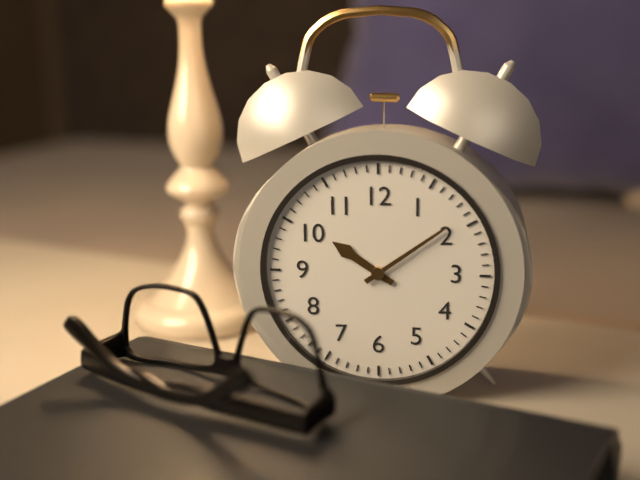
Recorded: **10:09**
